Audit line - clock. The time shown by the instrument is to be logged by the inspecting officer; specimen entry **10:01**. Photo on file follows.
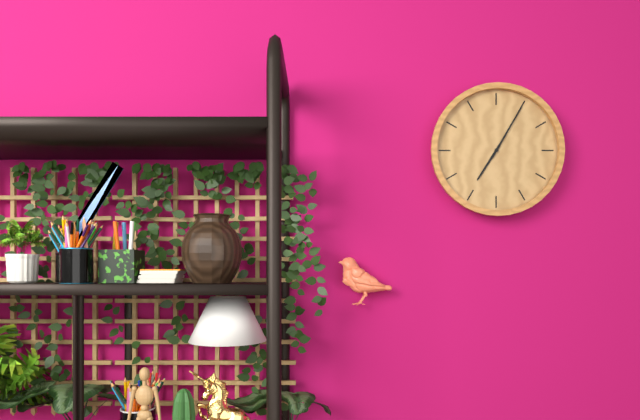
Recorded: **7:05**
